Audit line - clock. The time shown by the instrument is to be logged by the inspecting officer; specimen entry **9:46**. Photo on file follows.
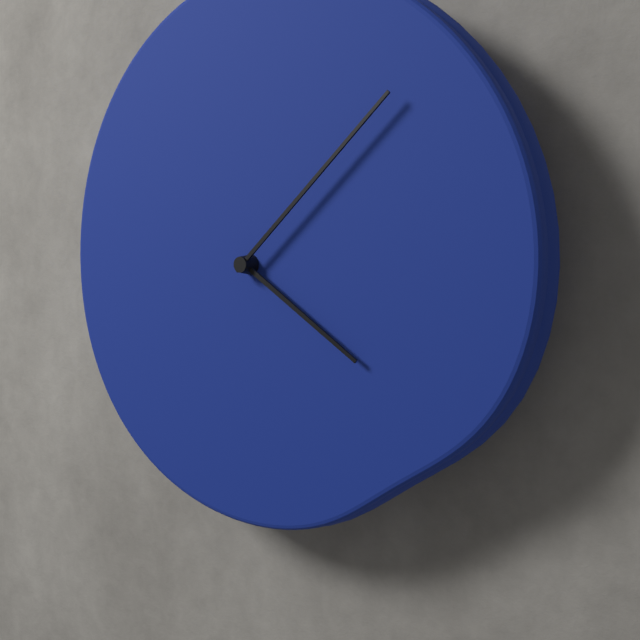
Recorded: **4:08**
